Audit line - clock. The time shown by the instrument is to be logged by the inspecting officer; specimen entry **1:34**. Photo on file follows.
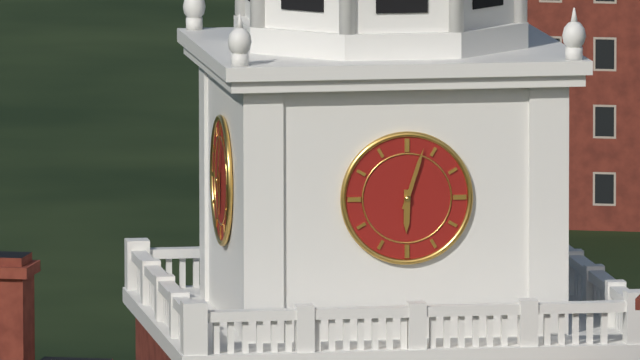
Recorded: **6:03**
